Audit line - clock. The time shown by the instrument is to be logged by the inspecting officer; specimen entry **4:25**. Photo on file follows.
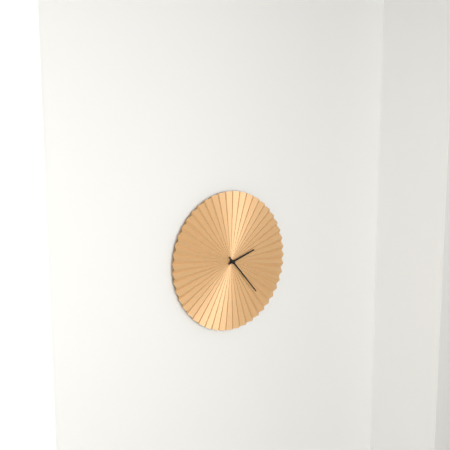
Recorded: **2:23**
